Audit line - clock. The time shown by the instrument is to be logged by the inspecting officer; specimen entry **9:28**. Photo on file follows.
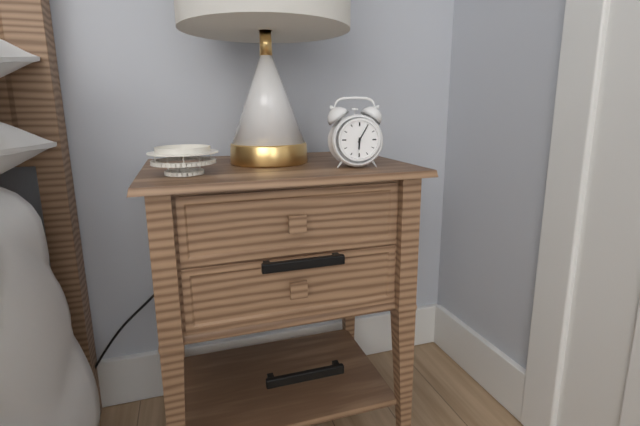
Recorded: **6:05**
